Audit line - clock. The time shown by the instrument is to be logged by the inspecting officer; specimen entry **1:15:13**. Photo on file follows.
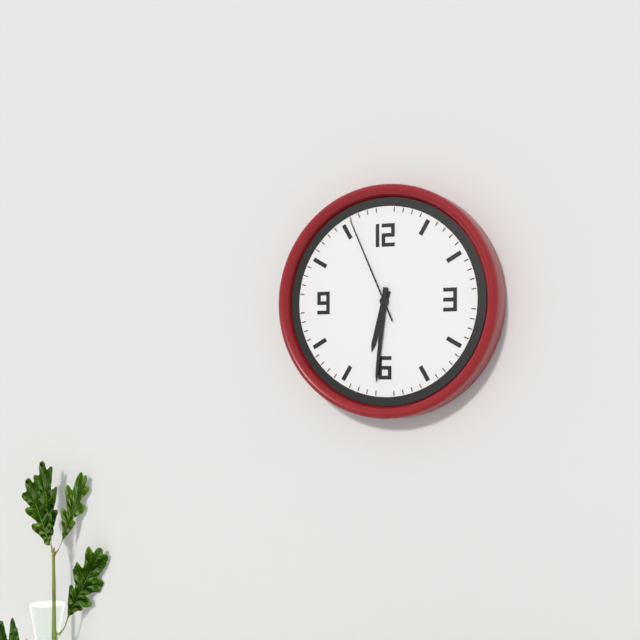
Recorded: **6:31:56**
